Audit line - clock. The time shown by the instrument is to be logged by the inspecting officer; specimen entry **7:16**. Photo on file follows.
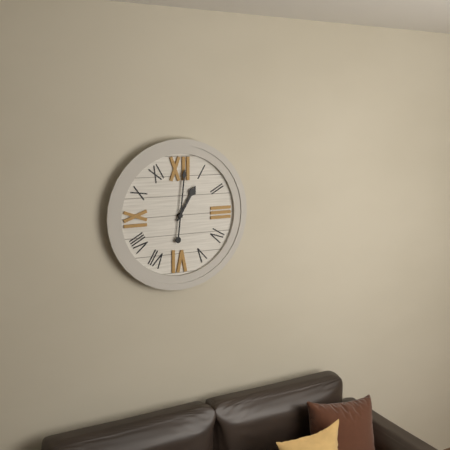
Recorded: **1:01**
